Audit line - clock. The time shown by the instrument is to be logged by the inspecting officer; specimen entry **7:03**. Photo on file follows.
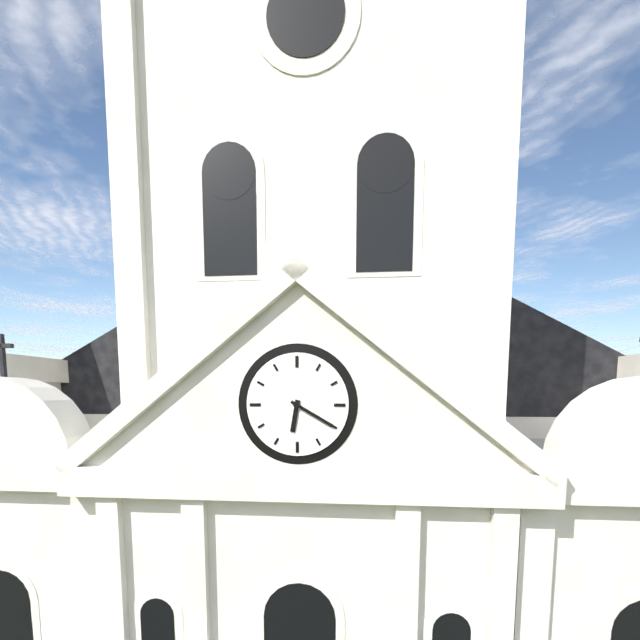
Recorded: **6:20**
